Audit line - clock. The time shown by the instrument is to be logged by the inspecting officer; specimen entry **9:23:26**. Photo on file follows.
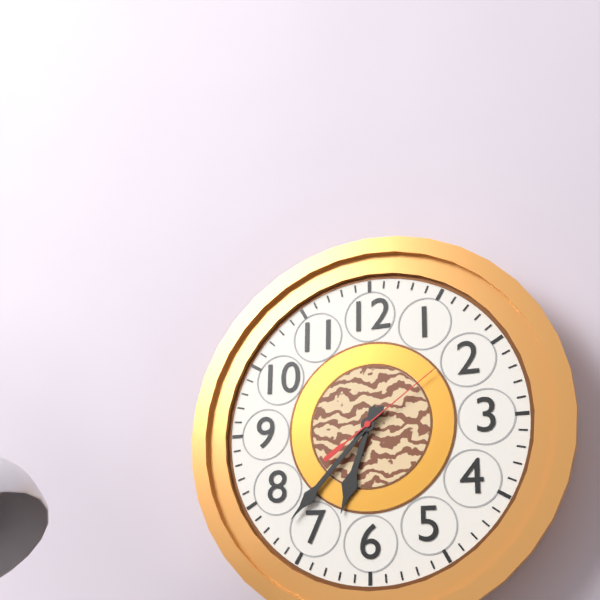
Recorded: **6:37:09**
